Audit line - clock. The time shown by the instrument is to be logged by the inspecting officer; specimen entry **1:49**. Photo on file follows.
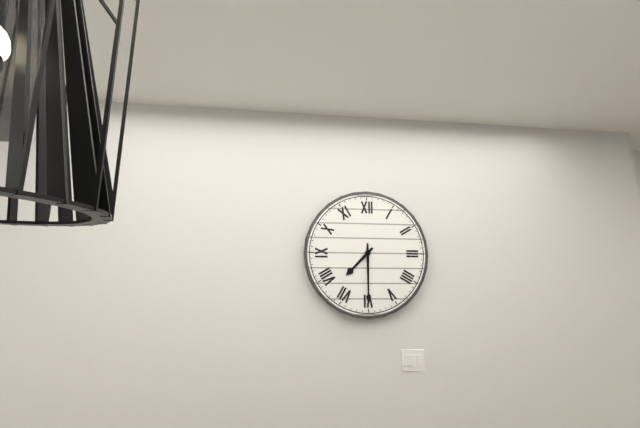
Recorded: **7:30**
